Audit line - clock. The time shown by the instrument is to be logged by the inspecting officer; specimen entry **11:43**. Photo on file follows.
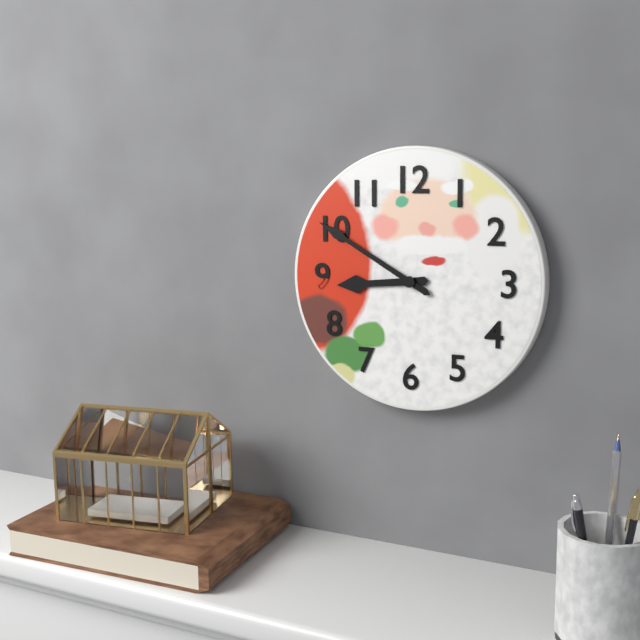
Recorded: **8:50**
